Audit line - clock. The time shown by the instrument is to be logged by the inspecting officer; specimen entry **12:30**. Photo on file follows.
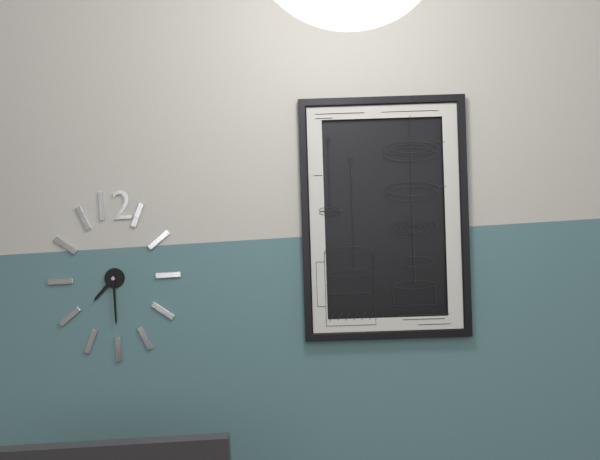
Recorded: **7:30**
